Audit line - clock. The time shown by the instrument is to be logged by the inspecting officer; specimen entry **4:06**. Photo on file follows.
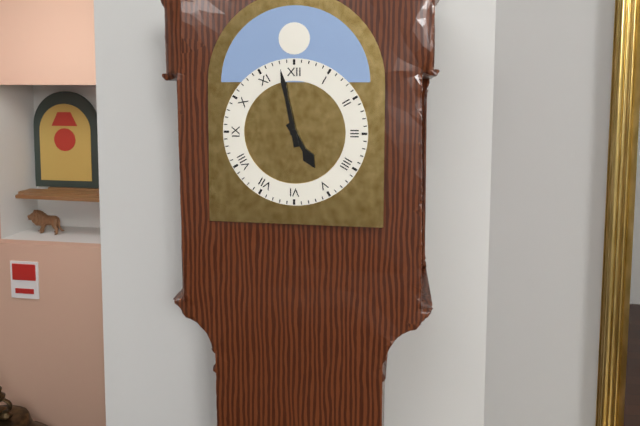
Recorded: **4:58**
